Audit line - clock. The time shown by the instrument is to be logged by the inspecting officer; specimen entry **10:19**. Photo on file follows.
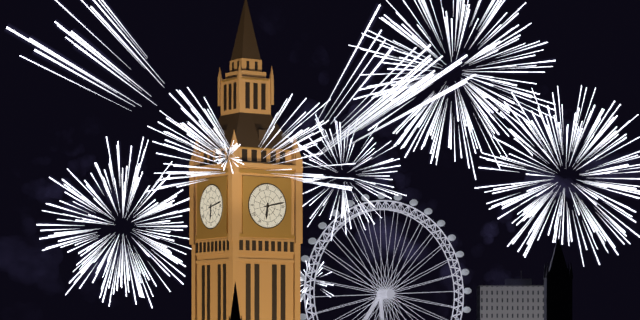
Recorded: **6:13**
